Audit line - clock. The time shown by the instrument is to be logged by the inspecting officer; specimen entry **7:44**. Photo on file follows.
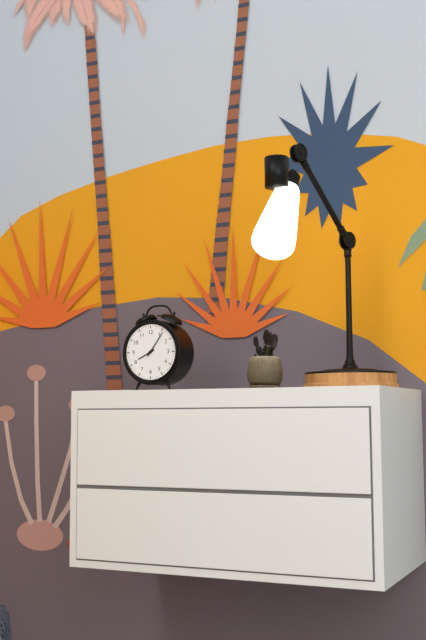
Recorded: **8:06**
